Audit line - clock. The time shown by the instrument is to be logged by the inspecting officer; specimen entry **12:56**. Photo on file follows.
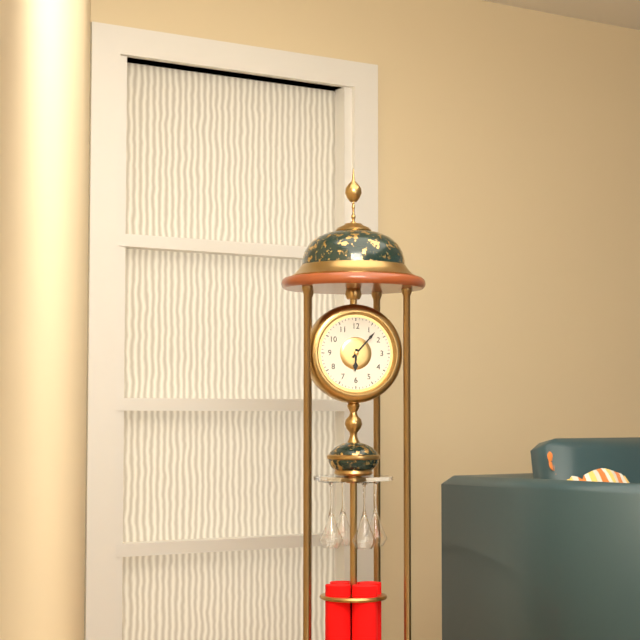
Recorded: **6:07**
